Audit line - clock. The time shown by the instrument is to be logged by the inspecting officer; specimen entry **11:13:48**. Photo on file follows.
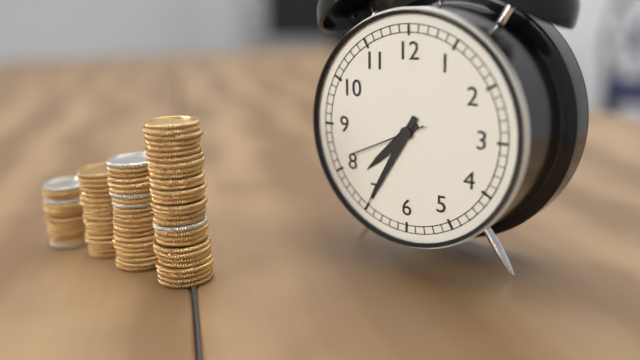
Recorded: **7:35:41**
